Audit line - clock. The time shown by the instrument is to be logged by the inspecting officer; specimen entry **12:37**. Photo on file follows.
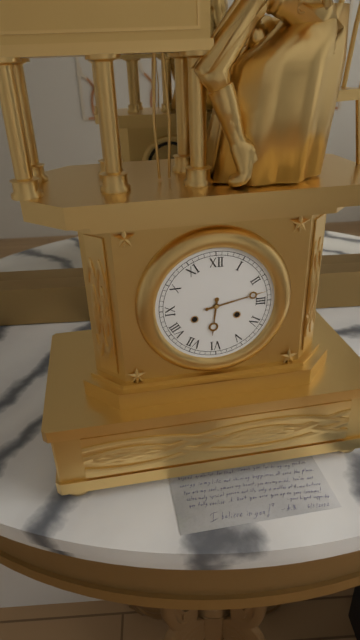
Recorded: **6:13**
